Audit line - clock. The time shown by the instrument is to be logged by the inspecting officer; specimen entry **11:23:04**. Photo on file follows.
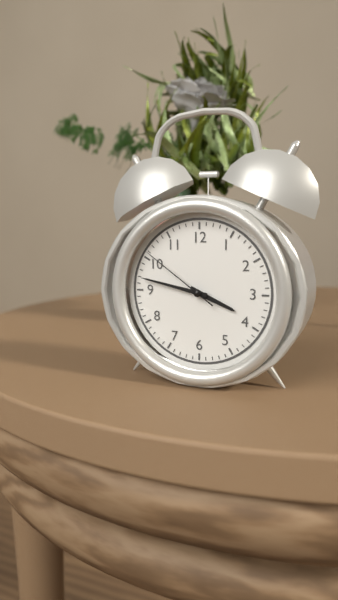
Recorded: **3:47:51**
